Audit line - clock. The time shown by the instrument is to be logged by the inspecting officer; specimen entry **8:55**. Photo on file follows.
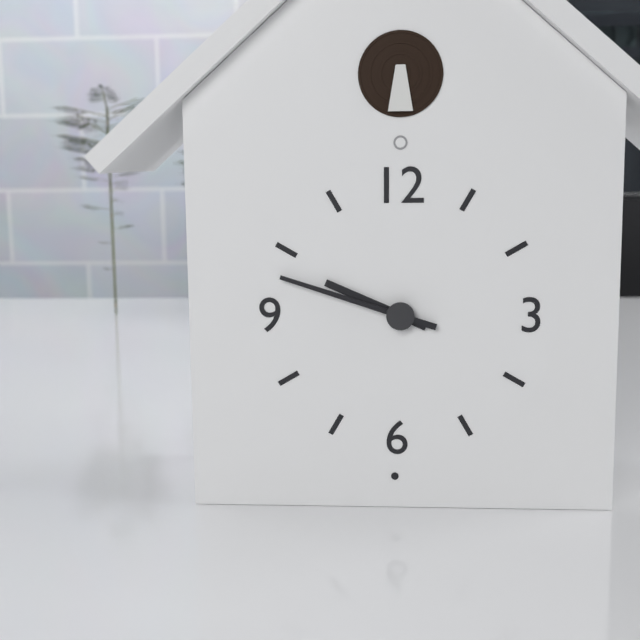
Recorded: **9:48**
